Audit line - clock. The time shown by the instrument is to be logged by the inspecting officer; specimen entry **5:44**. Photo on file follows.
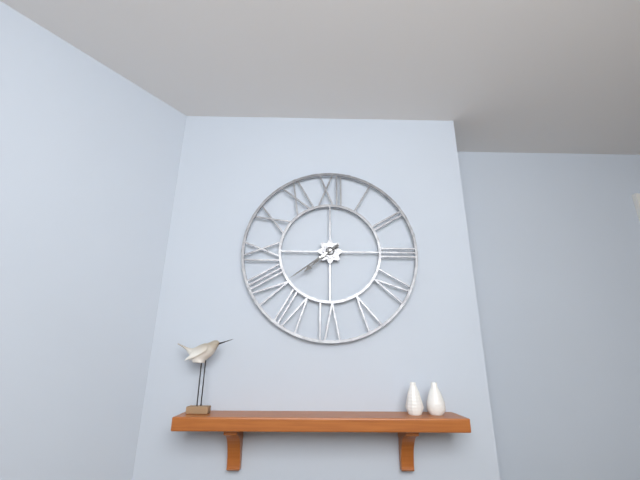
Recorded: **7:39**
